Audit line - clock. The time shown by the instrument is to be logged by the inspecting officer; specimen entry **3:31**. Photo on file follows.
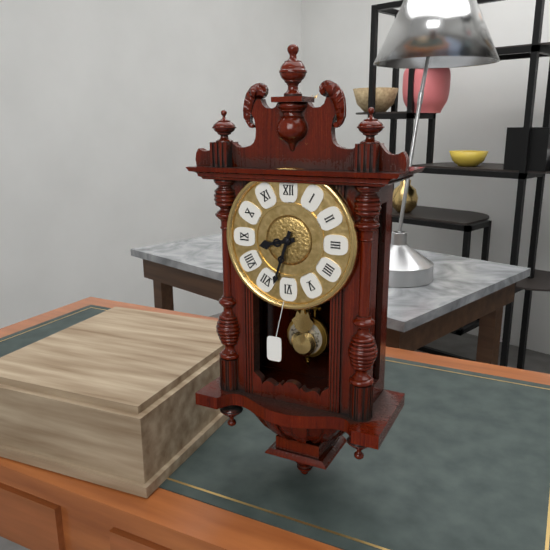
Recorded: **8:33**
